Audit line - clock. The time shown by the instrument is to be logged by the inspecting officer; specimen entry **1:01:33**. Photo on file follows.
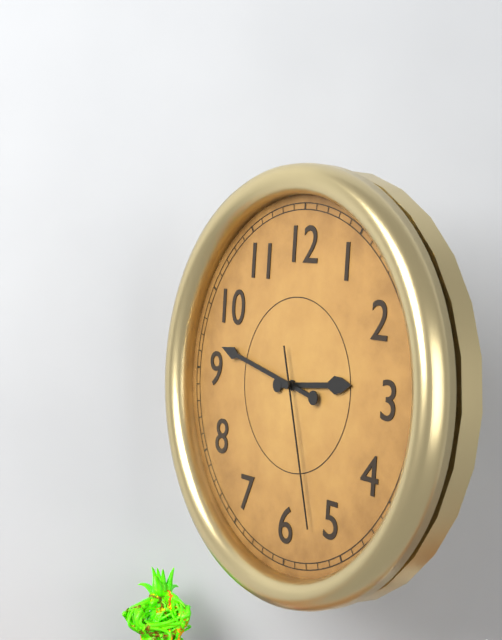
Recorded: **2:47:27**
